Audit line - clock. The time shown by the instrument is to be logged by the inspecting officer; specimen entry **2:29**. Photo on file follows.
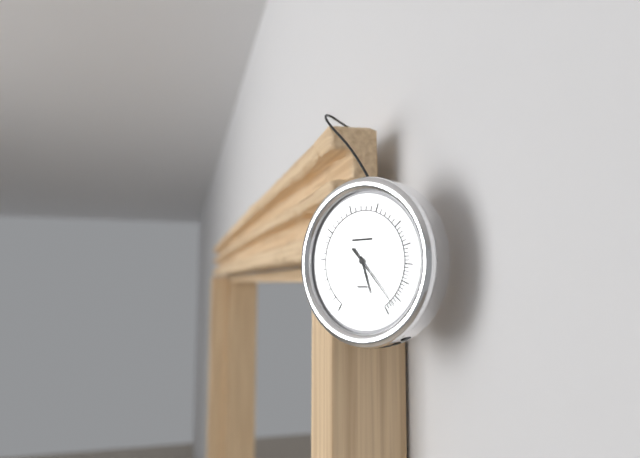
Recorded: **5:23**
